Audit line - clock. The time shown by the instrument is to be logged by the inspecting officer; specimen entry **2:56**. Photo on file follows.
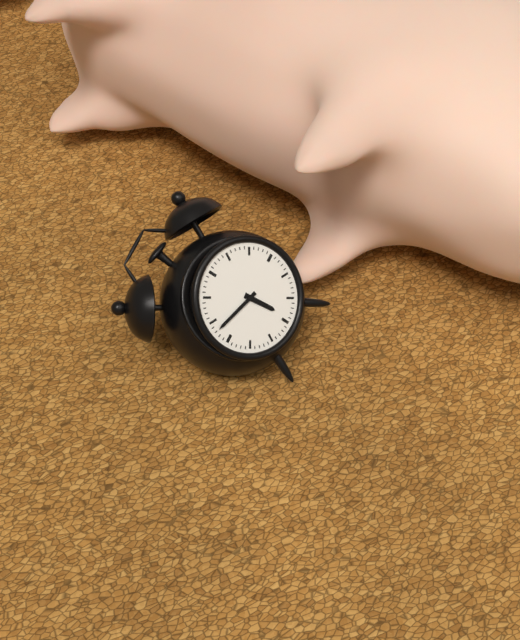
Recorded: **5:48**
